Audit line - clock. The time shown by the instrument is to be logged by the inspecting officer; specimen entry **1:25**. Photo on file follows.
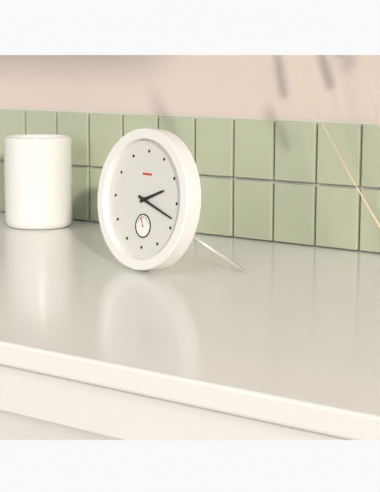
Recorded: **2:18**
